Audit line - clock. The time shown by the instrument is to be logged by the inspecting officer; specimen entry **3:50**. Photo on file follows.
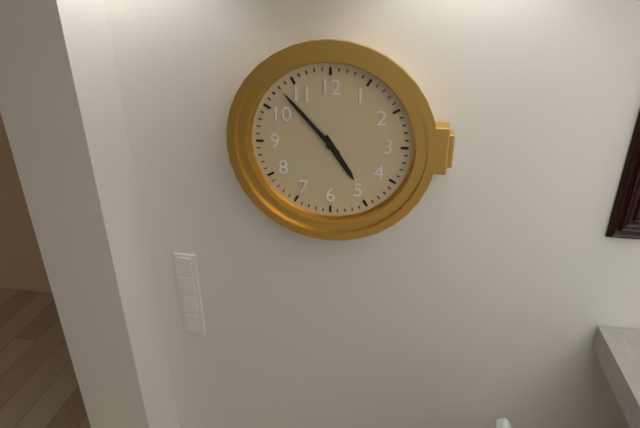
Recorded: **4:53**
